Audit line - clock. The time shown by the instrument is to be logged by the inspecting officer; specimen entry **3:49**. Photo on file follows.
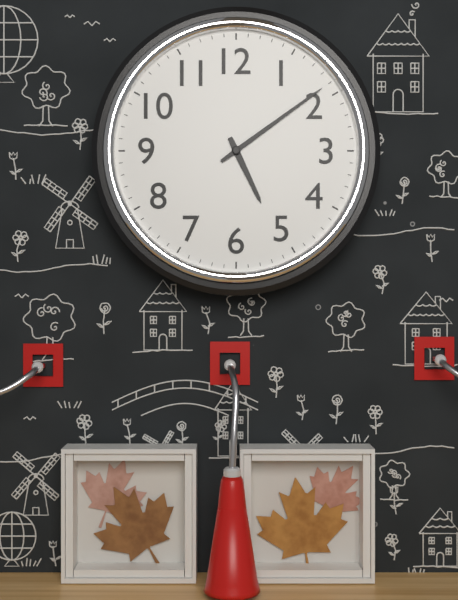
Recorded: **5:09**
